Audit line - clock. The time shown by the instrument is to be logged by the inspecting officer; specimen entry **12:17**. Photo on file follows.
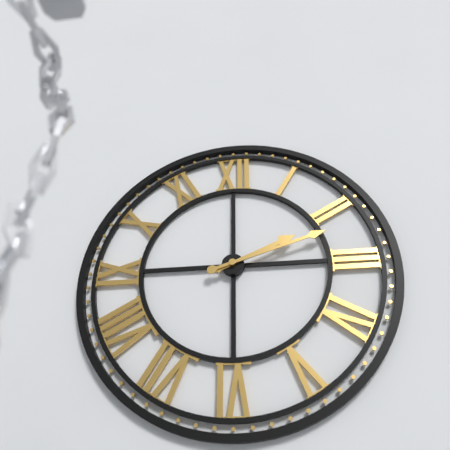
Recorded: **2:12**
